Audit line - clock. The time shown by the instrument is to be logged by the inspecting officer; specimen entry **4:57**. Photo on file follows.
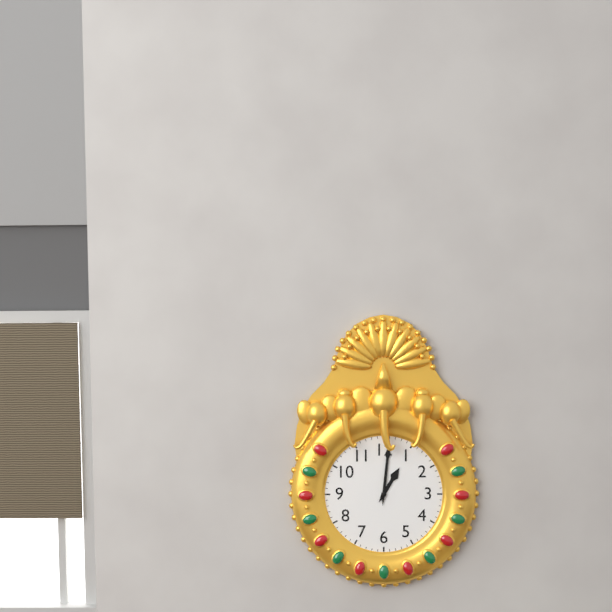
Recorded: **1:01**
